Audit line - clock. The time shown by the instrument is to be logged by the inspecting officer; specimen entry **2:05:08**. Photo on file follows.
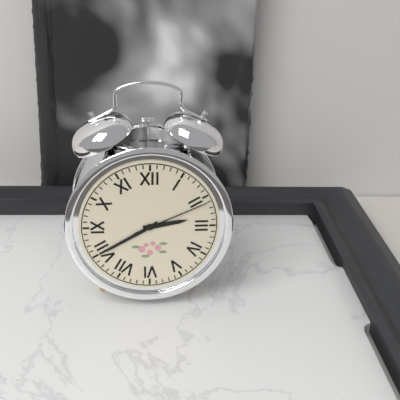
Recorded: **2:40:11**
